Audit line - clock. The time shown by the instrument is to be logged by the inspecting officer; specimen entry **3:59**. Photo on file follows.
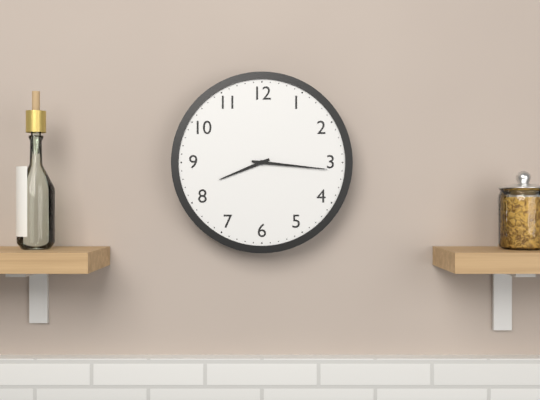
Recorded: **8:16**
